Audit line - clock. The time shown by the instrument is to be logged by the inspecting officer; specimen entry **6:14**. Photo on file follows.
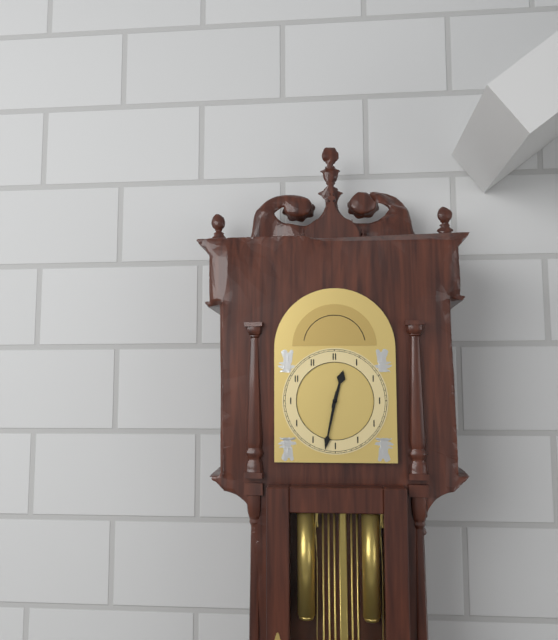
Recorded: **12:32**
